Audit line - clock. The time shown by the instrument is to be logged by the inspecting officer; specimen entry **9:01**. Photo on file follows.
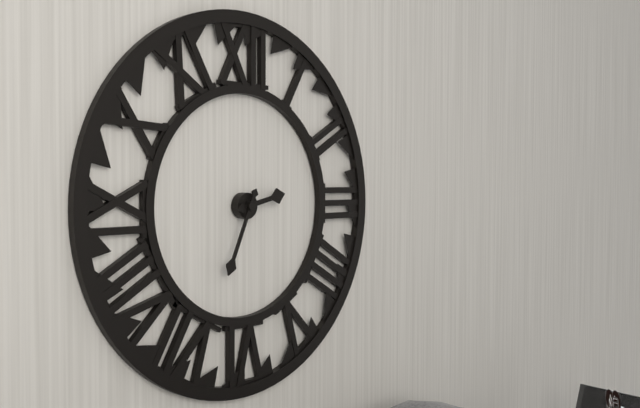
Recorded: **2:34**
